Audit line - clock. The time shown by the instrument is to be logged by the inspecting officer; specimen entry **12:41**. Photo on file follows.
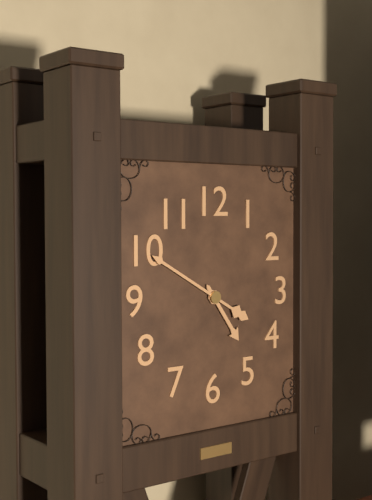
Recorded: **4:50**
